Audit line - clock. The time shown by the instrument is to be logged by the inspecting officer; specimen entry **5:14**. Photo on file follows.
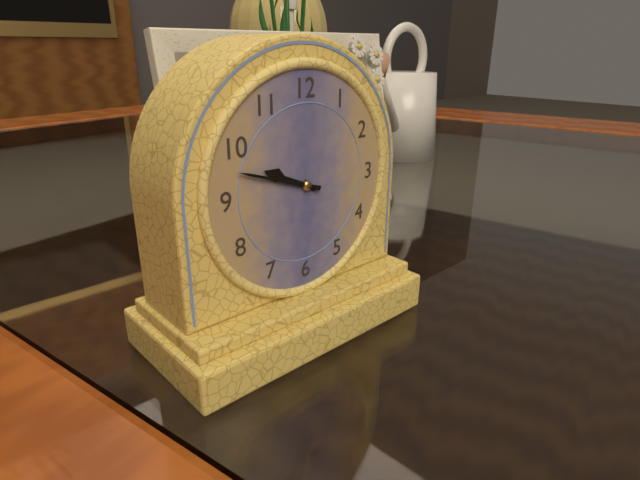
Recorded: **9:48**
